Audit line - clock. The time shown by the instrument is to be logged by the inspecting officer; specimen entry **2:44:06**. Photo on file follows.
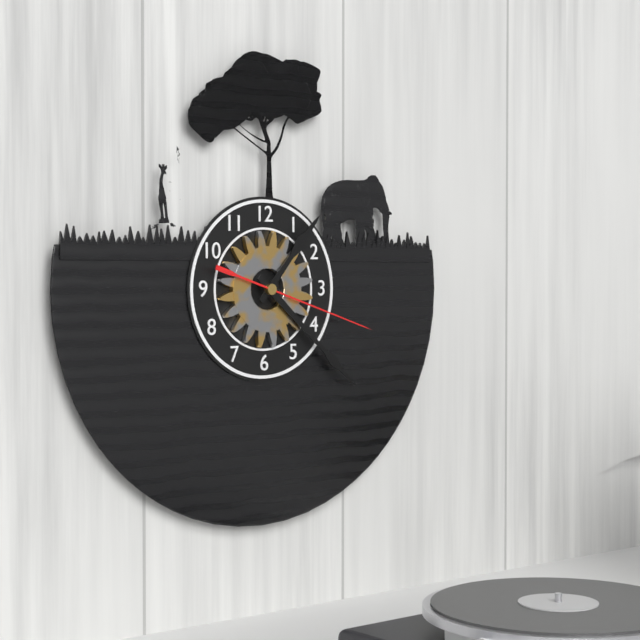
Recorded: **1:22:18**
